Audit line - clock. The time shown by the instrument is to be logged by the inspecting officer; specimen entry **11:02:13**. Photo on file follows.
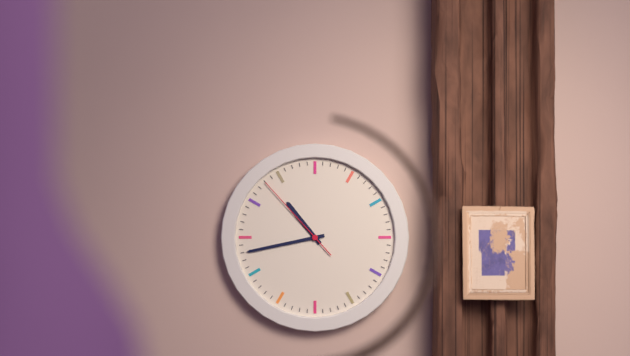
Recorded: **10:43:53**
